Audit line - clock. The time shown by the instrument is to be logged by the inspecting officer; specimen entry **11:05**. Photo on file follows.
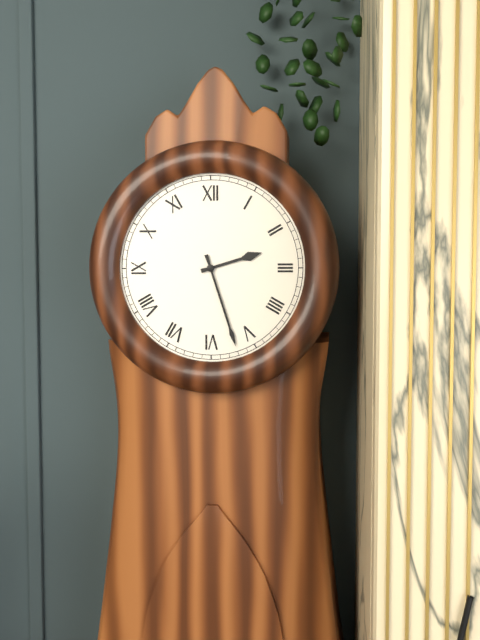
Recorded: **2:27**
